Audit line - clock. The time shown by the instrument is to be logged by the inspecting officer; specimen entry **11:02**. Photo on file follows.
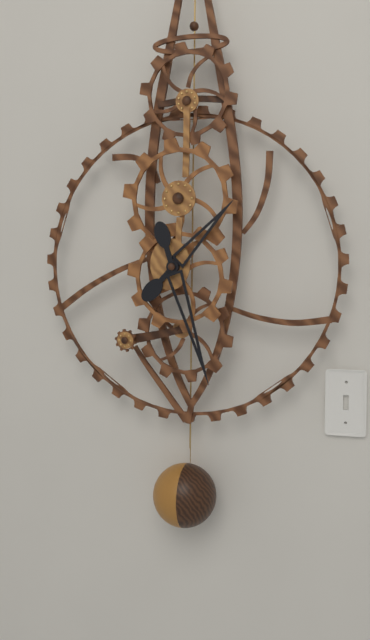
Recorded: **1:27**
